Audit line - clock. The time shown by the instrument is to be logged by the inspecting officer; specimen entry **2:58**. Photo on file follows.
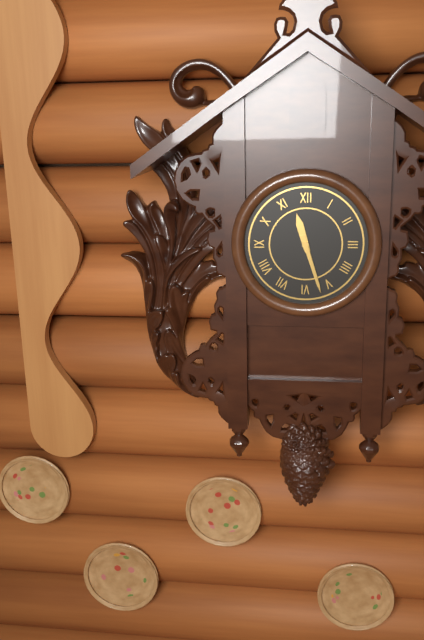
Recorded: **11:27**
